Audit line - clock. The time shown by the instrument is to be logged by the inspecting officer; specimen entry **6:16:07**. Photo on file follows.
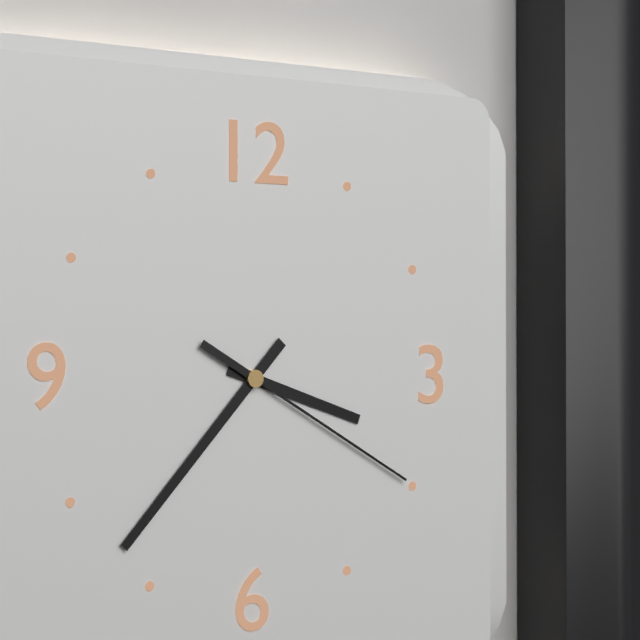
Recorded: **3:37:20**
